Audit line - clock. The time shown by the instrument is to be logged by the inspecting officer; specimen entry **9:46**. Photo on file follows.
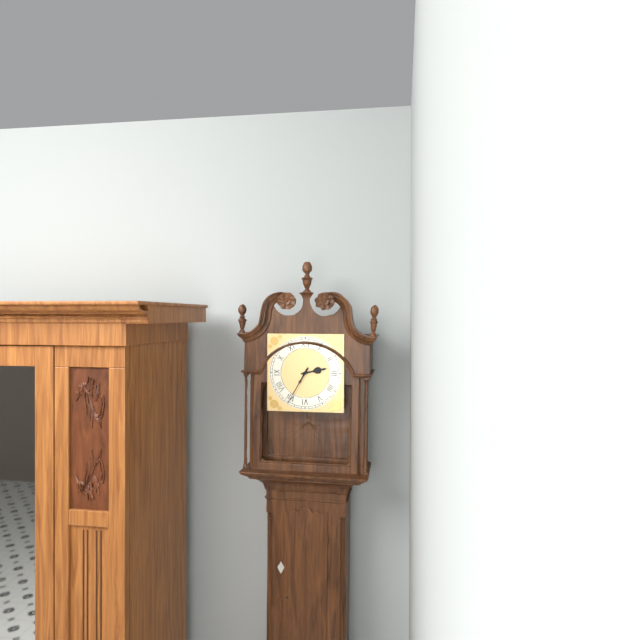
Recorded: **2:35**
